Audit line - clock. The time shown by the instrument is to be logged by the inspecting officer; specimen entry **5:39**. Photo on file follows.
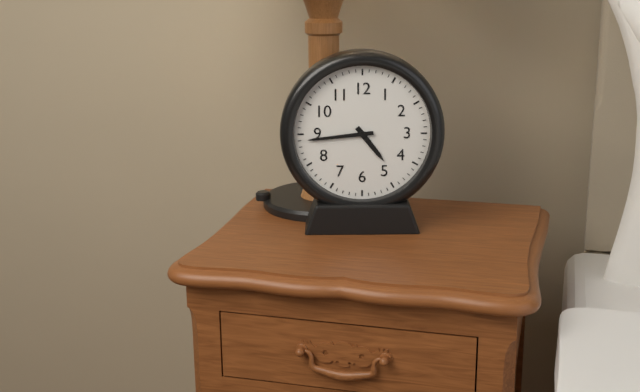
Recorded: **4:44**
